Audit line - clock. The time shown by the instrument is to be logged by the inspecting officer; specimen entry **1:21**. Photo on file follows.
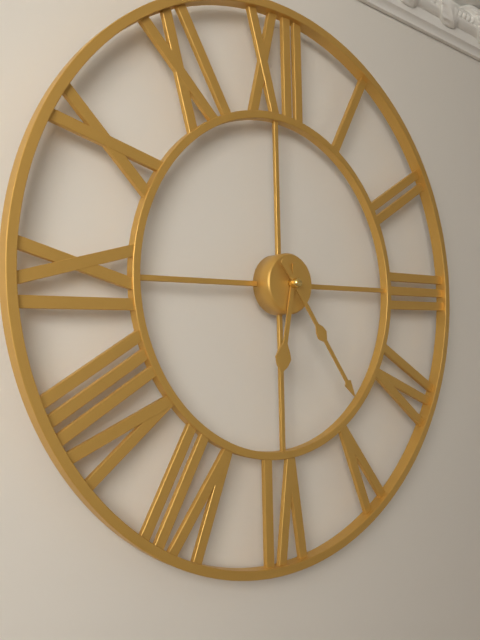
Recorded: **6:24**
